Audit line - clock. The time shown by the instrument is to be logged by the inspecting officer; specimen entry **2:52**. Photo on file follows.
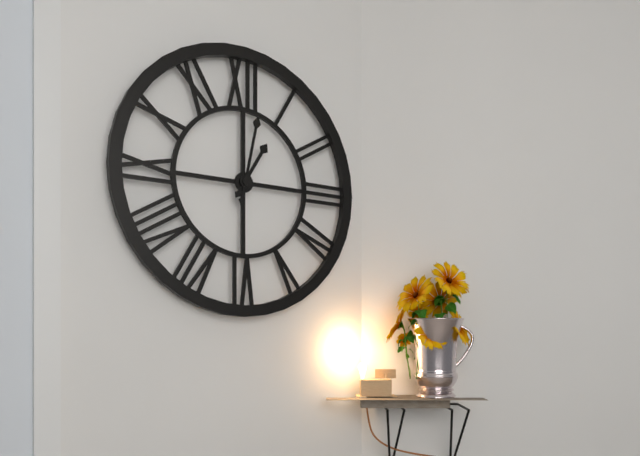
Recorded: **1:02**
